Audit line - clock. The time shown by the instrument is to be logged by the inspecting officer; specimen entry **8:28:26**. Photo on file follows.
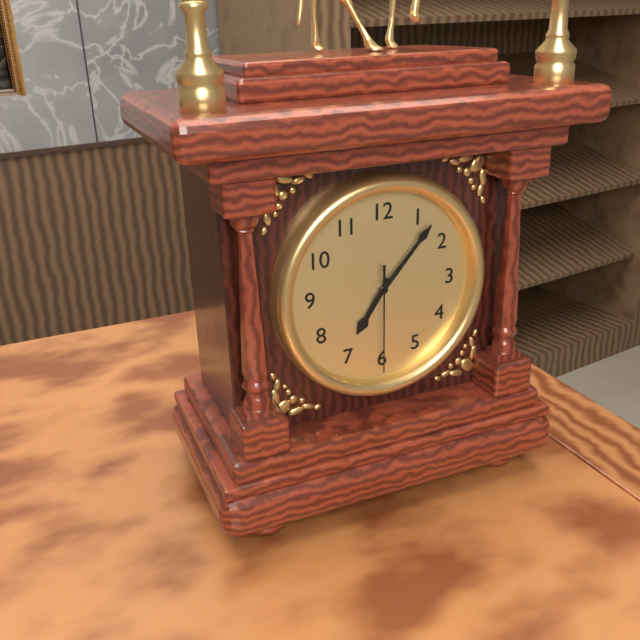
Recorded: **7:07:30**
